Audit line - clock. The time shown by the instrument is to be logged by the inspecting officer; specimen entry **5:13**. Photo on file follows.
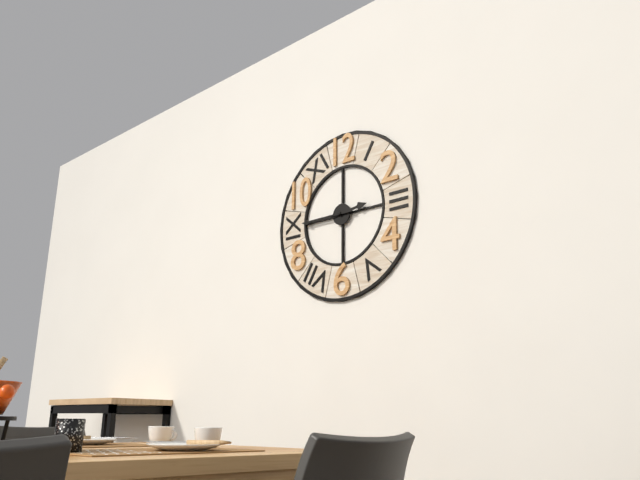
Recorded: **2:45**
